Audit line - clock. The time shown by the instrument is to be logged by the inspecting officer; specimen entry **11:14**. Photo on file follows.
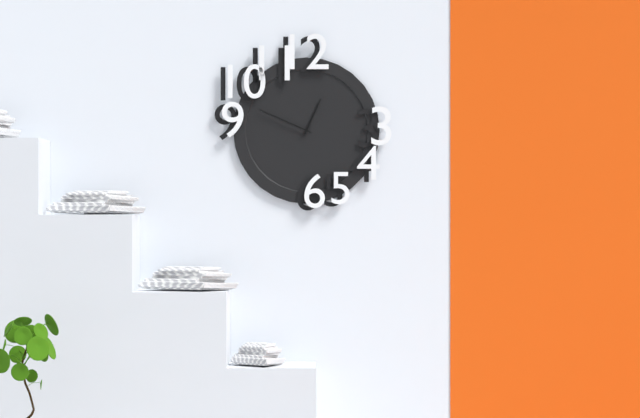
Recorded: **12:49**
